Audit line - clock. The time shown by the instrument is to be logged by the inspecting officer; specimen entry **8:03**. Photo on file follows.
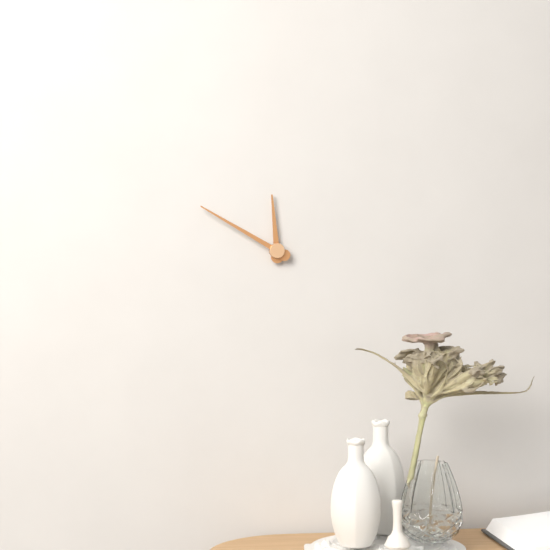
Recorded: **11:50**
